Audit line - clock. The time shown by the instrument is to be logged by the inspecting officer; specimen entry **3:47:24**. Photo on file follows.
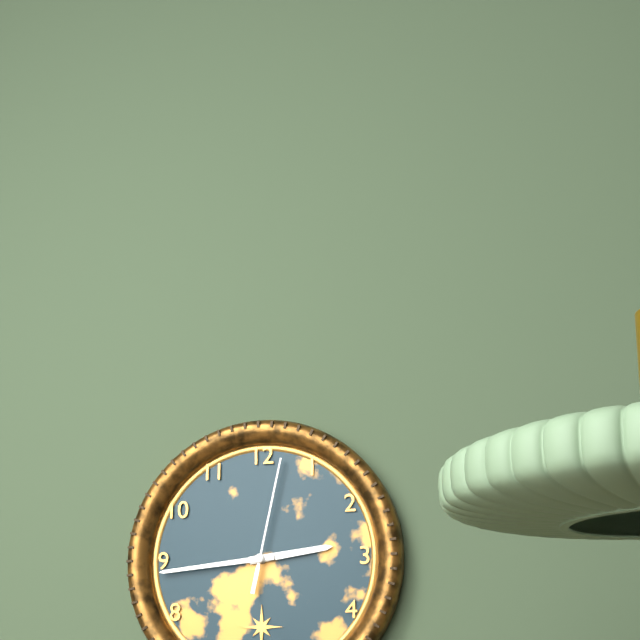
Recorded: **2:44:02**
